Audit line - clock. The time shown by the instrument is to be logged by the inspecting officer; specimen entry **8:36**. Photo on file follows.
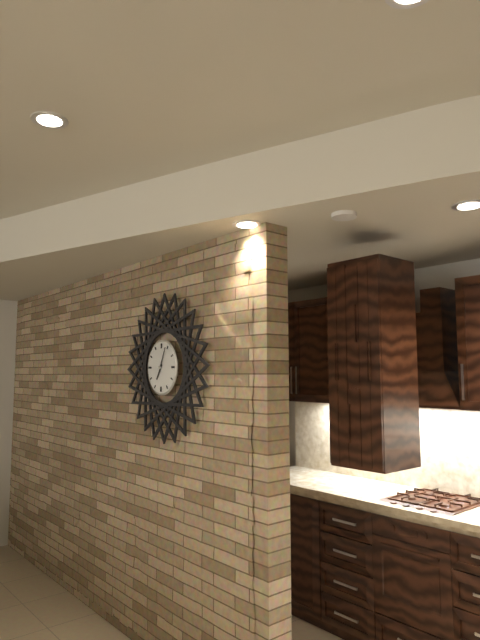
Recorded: **7:04**
